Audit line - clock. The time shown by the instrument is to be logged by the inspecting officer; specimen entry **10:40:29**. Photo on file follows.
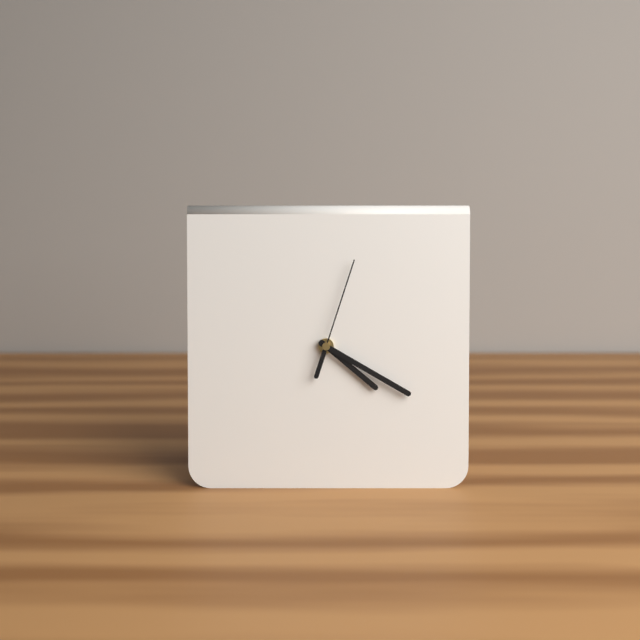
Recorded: **4:20:03**
